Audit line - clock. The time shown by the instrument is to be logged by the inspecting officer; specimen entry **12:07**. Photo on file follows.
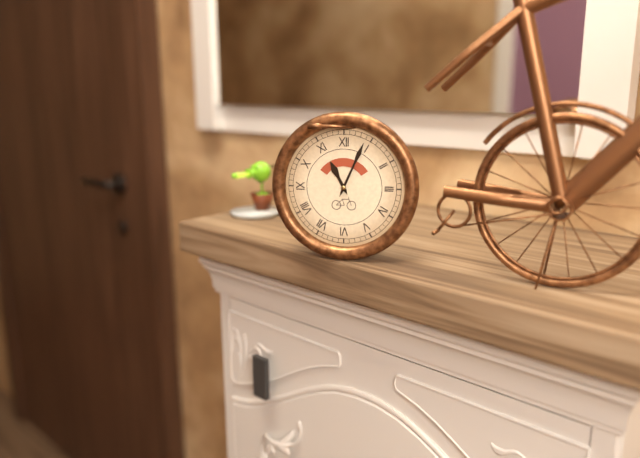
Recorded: **11:04**
